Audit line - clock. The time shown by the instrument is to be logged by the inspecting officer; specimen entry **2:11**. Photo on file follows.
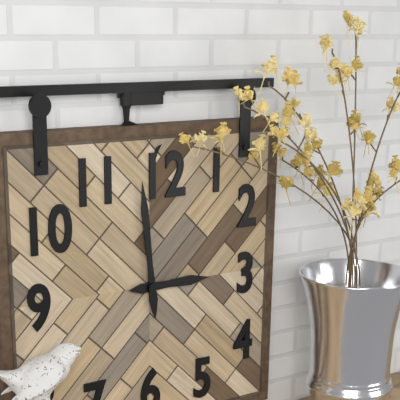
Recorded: **2:59**
